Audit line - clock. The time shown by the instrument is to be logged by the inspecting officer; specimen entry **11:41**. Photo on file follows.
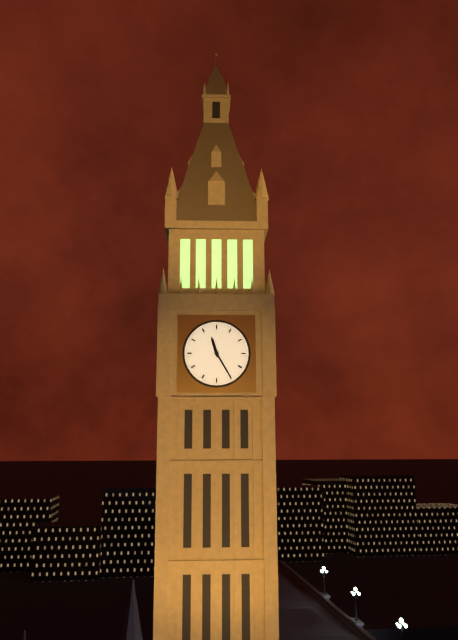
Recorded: **11:25**
